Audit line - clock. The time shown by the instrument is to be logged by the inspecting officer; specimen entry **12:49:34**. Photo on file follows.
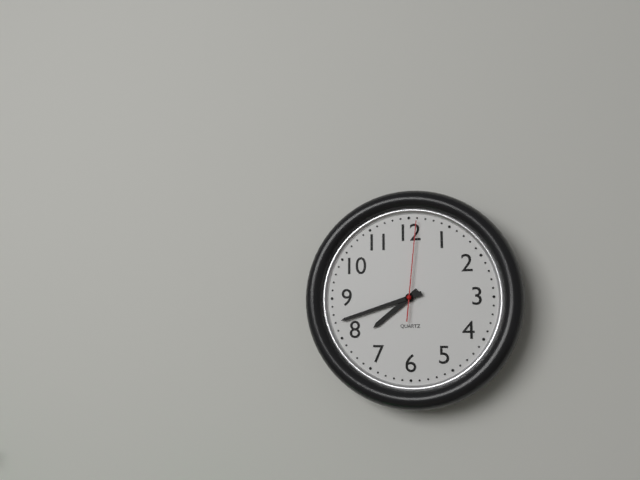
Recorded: **7:42:01**
